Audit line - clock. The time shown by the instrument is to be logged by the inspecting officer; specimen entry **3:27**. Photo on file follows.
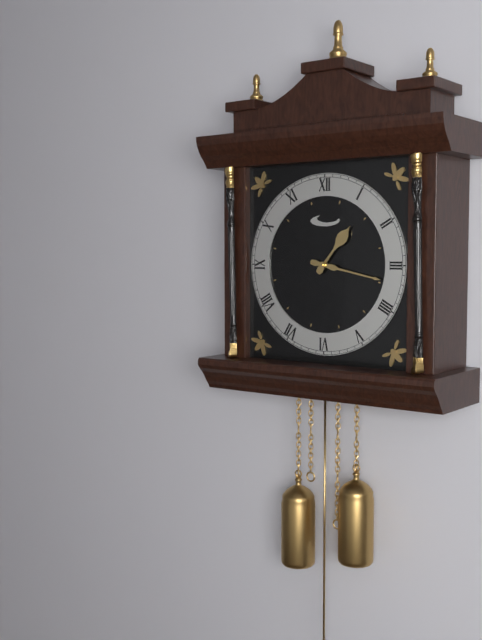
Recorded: **1:17**
